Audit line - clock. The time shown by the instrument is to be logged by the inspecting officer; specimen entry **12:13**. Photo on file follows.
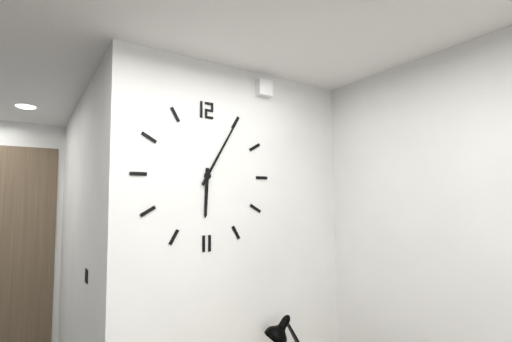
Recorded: **6:05**
